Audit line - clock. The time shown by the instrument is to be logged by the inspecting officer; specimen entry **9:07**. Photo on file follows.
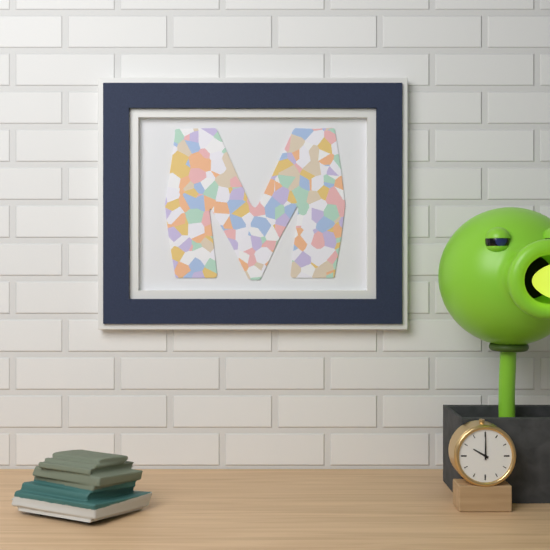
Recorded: **10:00**
